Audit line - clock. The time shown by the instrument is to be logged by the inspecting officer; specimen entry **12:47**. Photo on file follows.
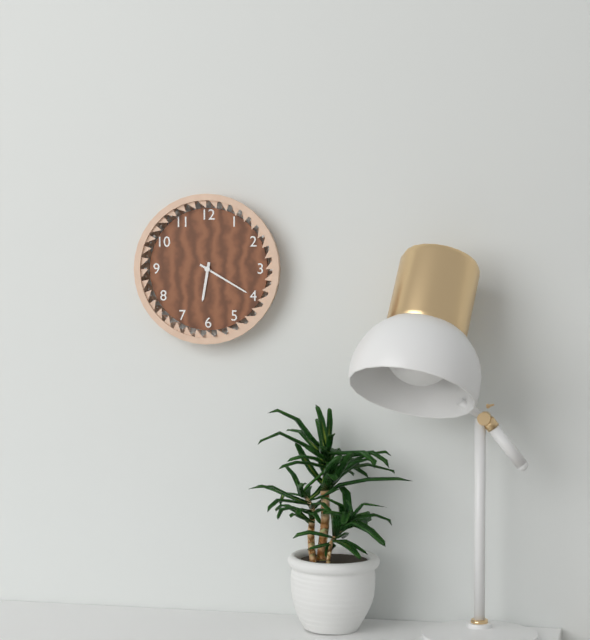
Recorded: **6:20**
